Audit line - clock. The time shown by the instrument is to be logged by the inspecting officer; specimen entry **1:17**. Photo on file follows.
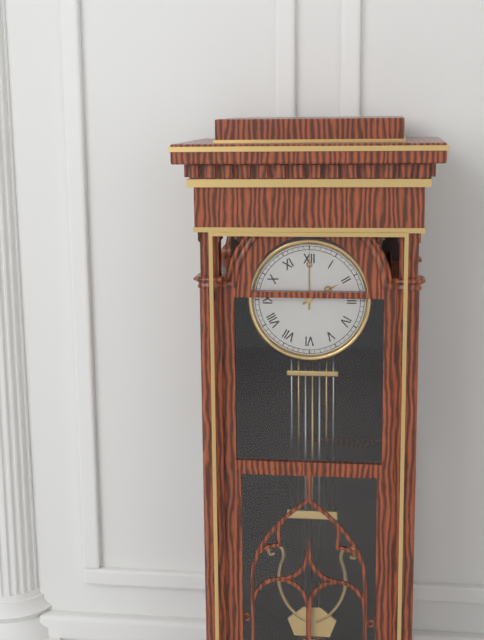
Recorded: **2:00**
